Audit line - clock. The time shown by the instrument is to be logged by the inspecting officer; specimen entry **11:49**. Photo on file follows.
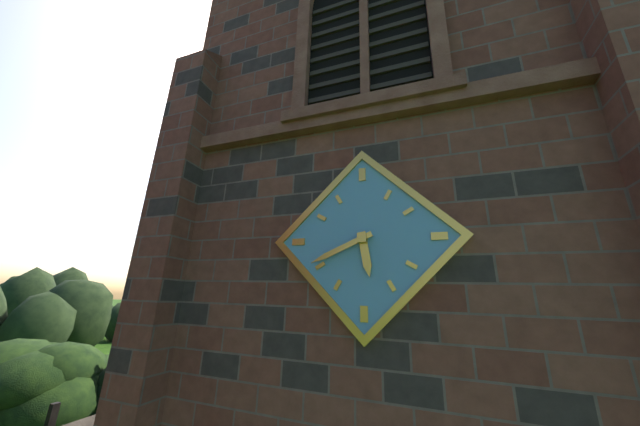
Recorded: **5:41**
